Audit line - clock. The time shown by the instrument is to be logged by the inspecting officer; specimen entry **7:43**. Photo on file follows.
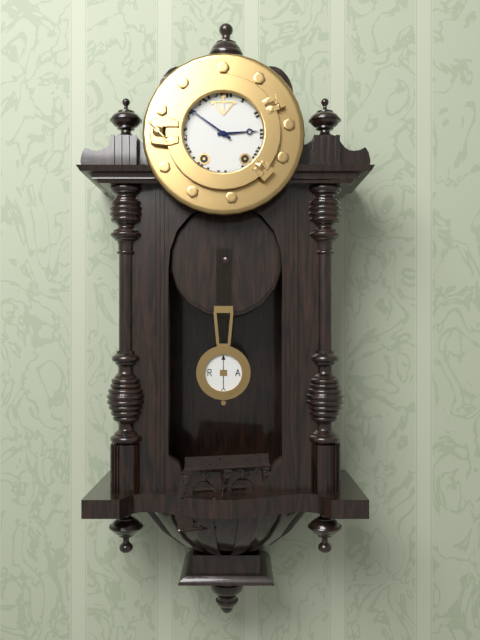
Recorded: **2:51**
